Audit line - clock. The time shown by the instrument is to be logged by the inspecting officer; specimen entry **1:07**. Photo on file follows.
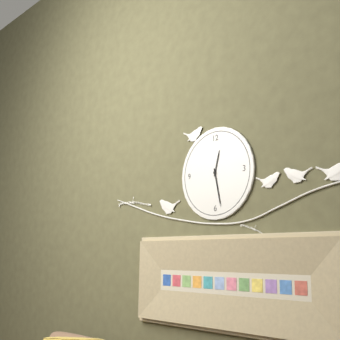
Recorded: **12:28**
